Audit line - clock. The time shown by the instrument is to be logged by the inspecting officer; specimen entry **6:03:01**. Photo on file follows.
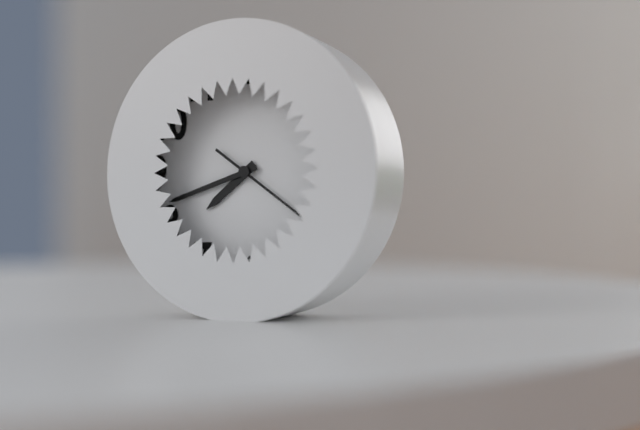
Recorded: **7:42:21**
